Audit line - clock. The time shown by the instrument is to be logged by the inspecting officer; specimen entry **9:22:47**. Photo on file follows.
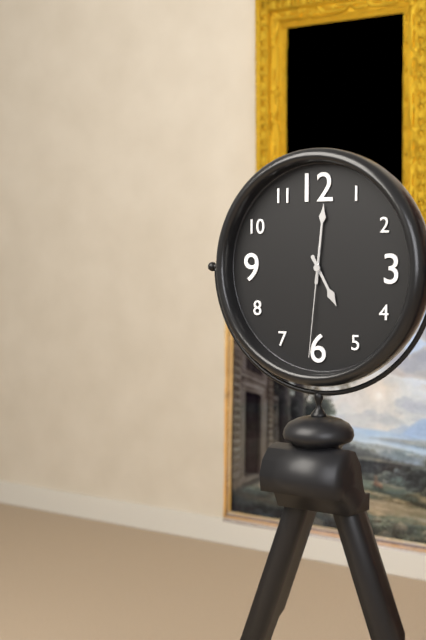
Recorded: **5:01:31**
